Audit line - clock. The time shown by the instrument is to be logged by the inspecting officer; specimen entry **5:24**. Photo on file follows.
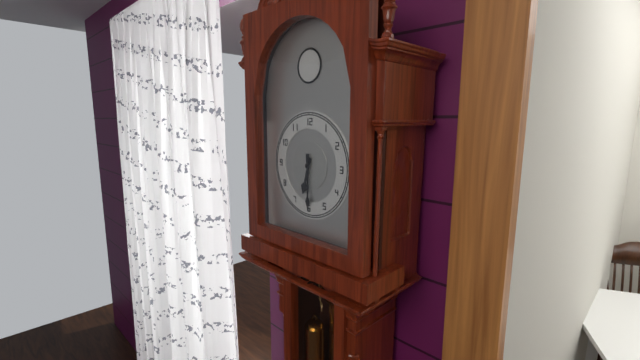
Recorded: **6:30**
